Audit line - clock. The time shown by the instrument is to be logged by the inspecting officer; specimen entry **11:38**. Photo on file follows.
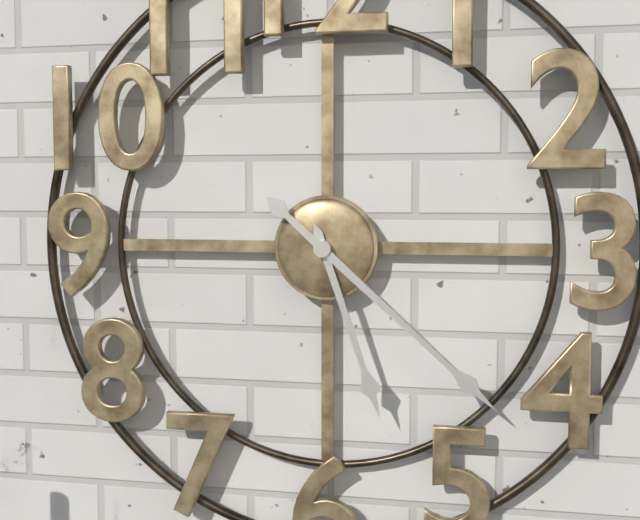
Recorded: **5:22**
